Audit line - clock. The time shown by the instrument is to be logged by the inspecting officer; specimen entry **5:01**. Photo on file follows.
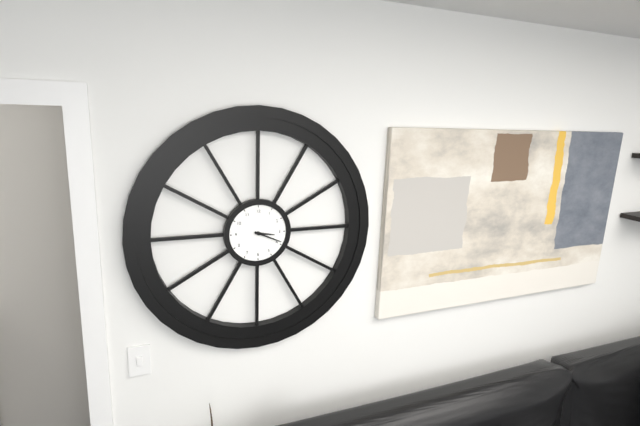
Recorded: **3:19**
